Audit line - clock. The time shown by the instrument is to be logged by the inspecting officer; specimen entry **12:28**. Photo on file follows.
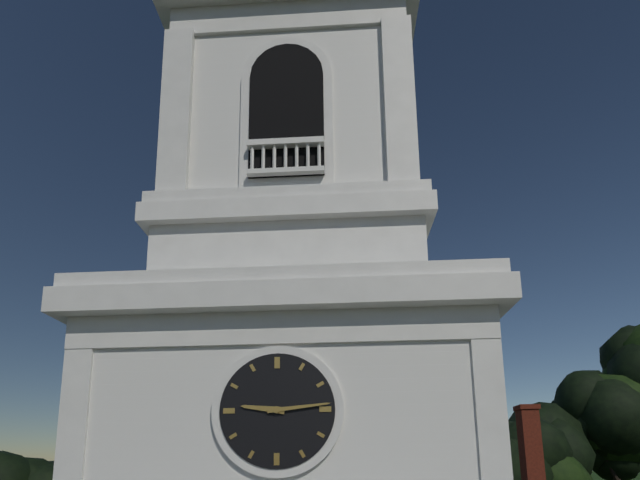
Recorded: **9:14**
